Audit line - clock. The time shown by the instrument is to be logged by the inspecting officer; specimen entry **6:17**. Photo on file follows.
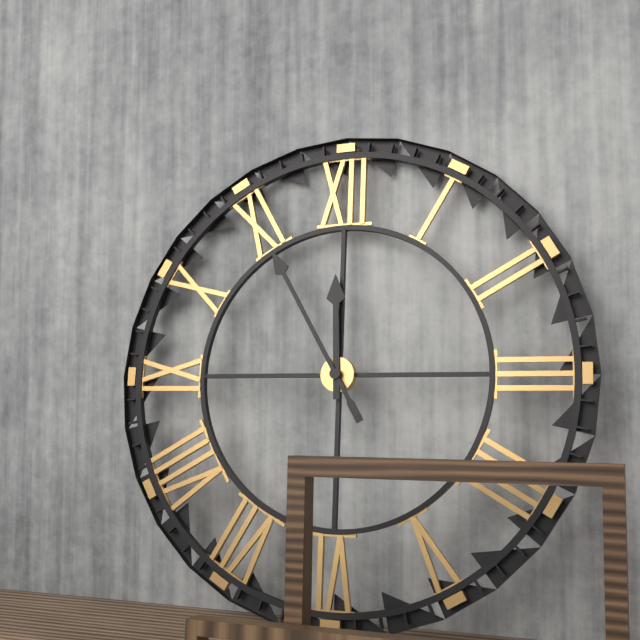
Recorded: **11:55**
